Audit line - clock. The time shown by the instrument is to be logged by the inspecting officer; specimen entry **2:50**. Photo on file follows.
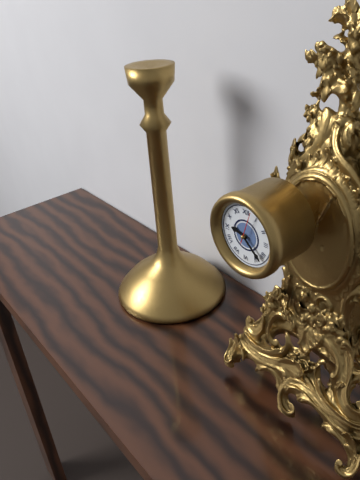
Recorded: **9:22**
